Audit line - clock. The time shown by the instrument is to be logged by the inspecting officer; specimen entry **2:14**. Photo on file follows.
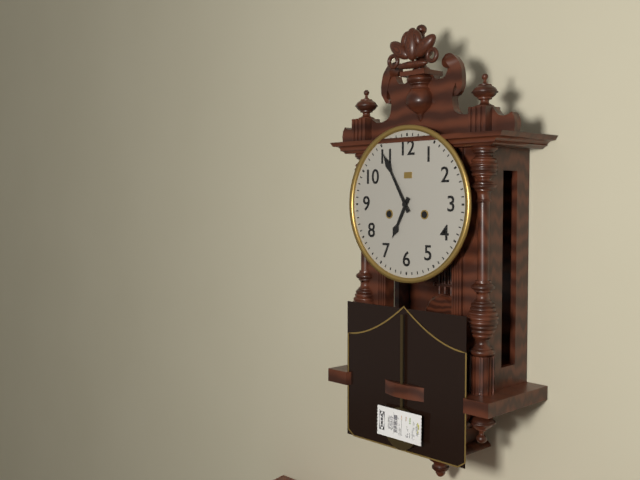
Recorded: **6:55**
